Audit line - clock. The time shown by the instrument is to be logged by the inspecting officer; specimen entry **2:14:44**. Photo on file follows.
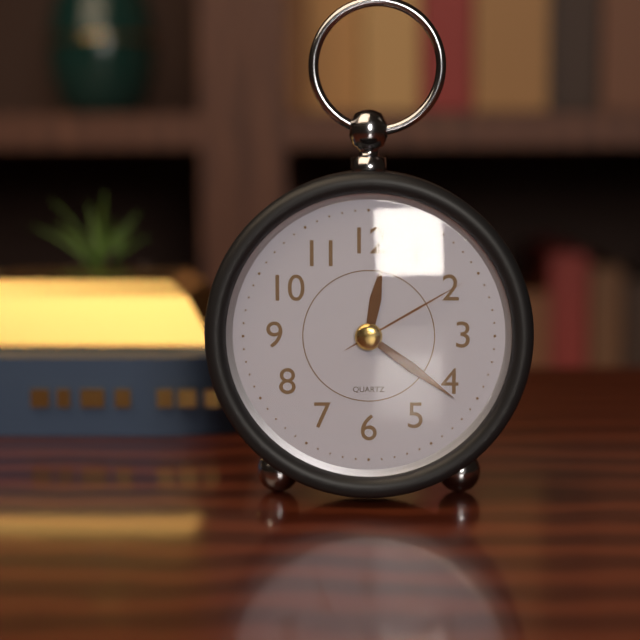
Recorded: **12:21:10**
